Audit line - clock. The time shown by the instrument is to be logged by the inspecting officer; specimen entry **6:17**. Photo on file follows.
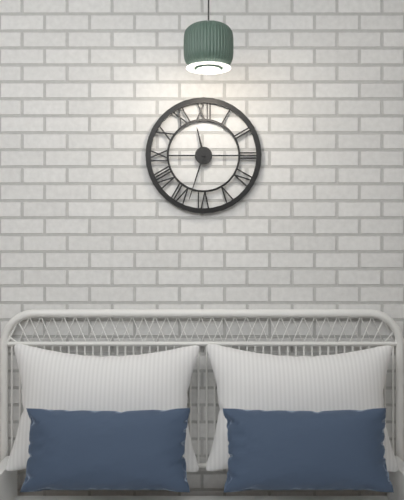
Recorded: **11:33**
